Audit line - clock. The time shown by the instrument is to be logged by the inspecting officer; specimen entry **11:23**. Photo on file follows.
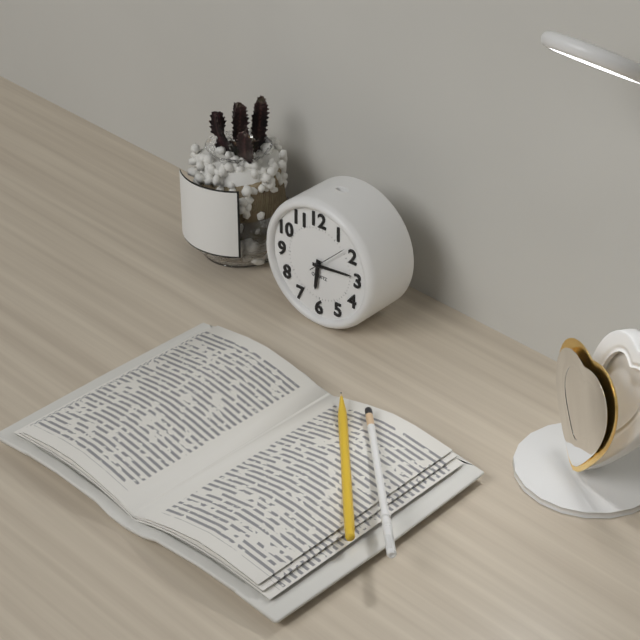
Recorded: **6:14**
